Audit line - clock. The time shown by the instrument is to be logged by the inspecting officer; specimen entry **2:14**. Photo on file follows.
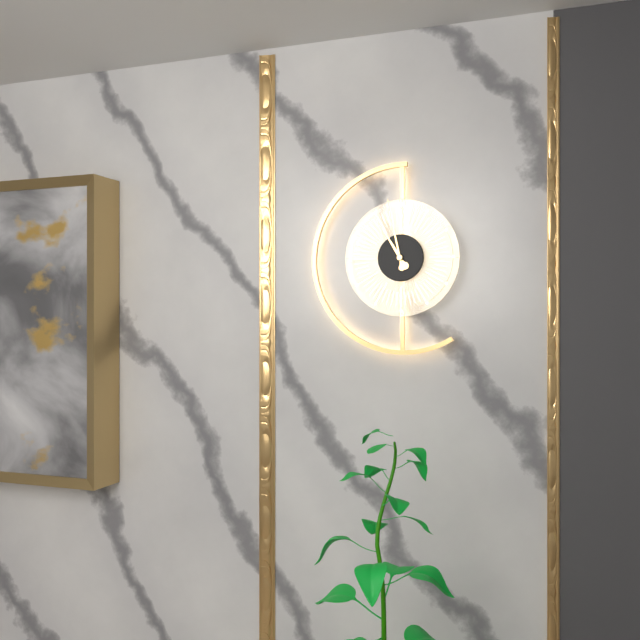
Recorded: **10:58**
